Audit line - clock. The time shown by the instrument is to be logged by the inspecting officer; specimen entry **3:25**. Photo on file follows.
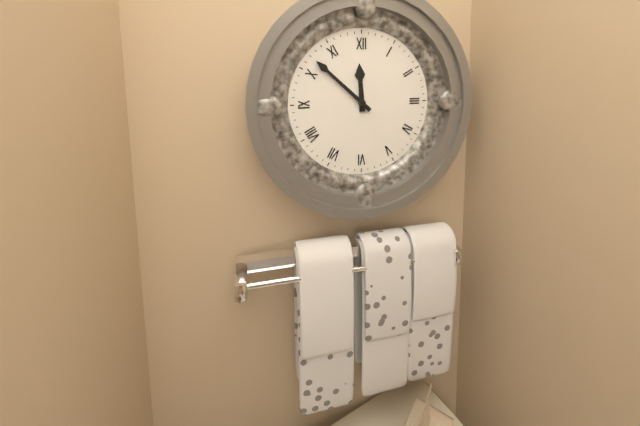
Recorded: **11:52**
